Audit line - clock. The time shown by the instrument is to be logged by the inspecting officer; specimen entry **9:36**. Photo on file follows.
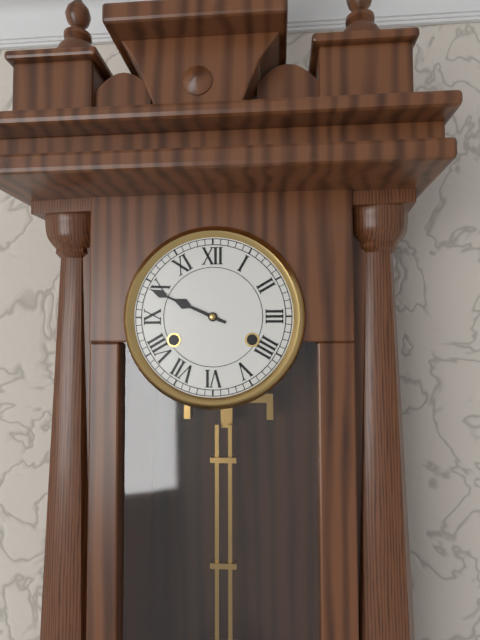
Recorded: **9:49**
